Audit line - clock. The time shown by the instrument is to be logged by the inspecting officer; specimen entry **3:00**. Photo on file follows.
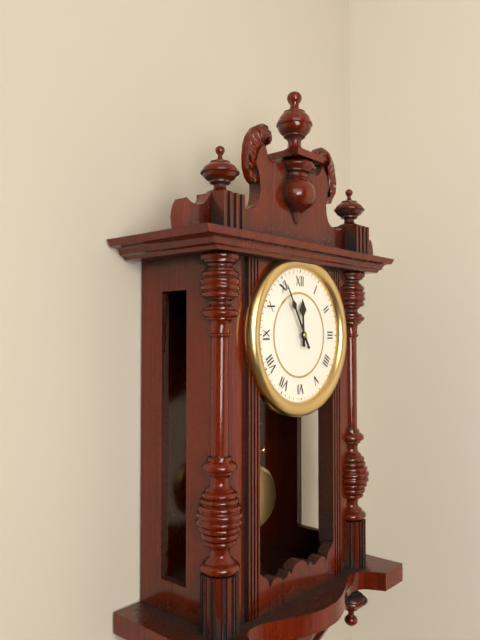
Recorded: **11:55**
